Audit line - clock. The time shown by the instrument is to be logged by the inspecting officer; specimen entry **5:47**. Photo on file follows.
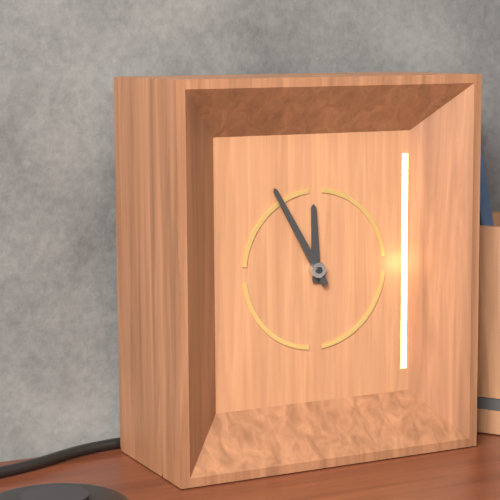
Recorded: **11:55**
